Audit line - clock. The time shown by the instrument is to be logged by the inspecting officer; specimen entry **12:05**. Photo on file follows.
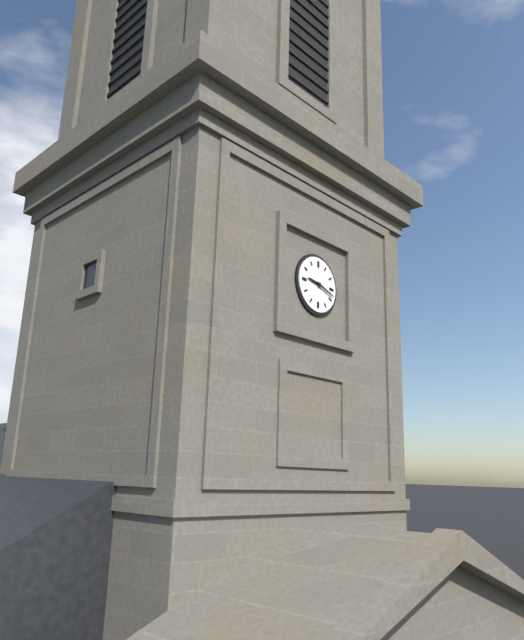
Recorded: **9:18**
